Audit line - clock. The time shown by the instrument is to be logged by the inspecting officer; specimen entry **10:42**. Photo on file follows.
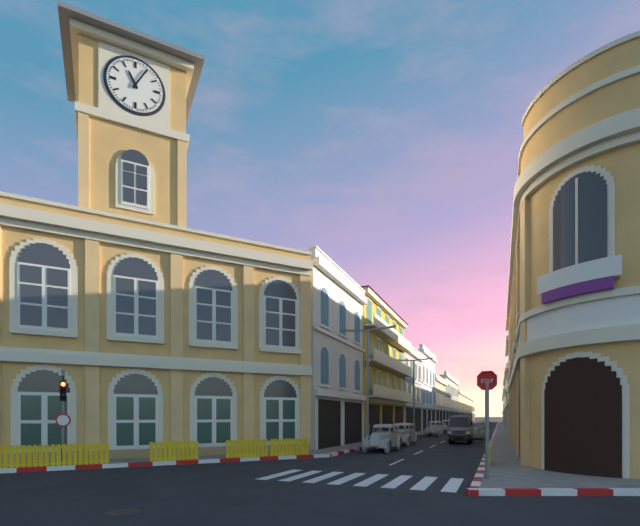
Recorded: **11:05**
